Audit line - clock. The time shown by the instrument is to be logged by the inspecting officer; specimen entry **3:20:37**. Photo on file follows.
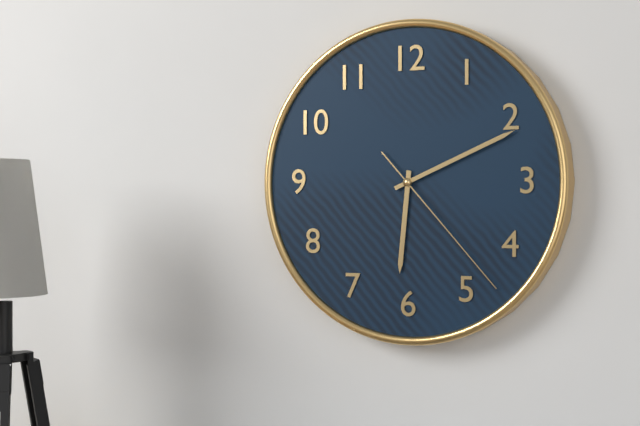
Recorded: **6:11:23**
